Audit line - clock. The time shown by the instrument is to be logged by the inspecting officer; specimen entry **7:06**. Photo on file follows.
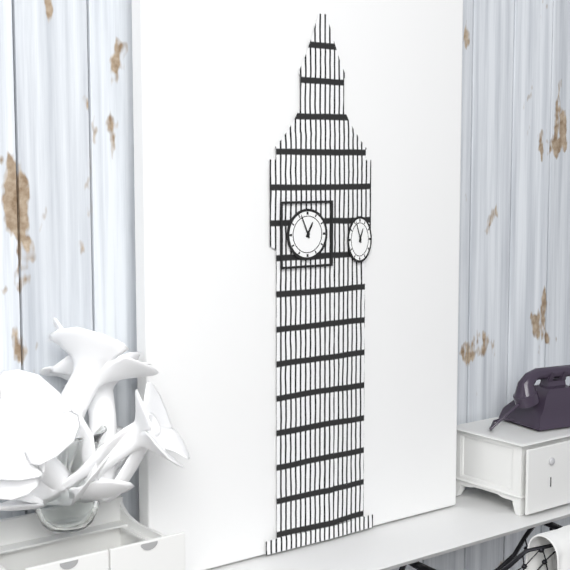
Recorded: **12:56**
